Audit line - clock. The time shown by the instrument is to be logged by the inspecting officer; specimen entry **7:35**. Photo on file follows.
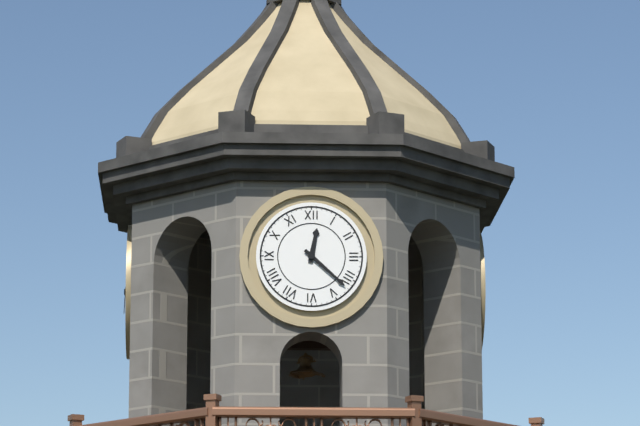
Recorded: **12:22**
